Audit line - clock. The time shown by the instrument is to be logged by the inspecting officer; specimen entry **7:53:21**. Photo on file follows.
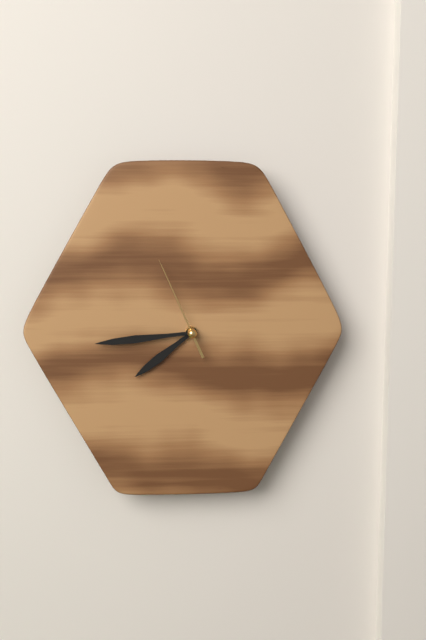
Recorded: **7:44:56**
